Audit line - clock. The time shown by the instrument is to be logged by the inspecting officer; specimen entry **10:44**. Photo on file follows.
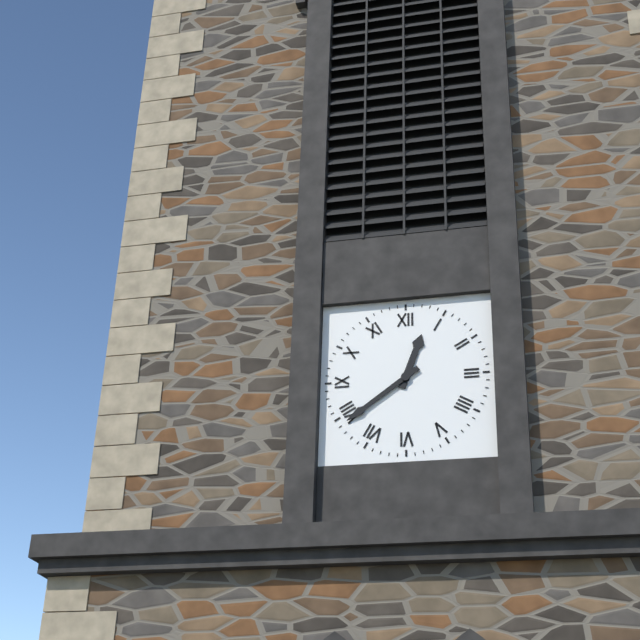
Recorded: **12:39**
